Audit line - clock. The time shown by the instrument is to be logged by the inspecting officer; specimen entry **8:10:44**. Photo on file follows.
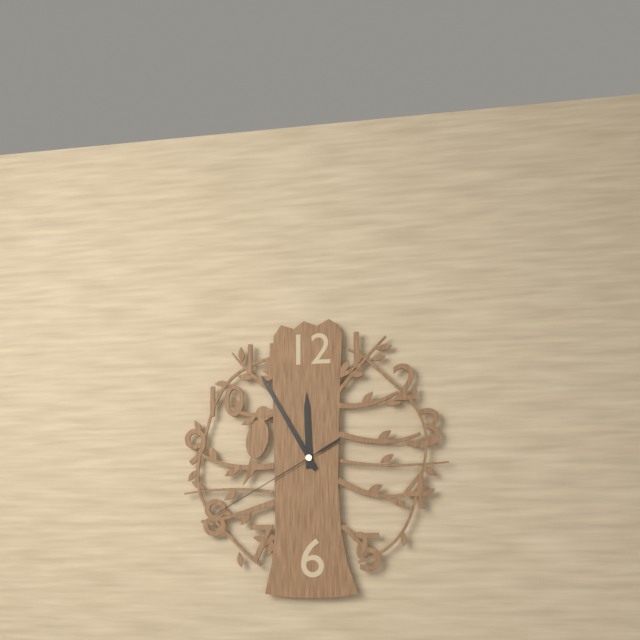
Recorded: **11:55:40**
